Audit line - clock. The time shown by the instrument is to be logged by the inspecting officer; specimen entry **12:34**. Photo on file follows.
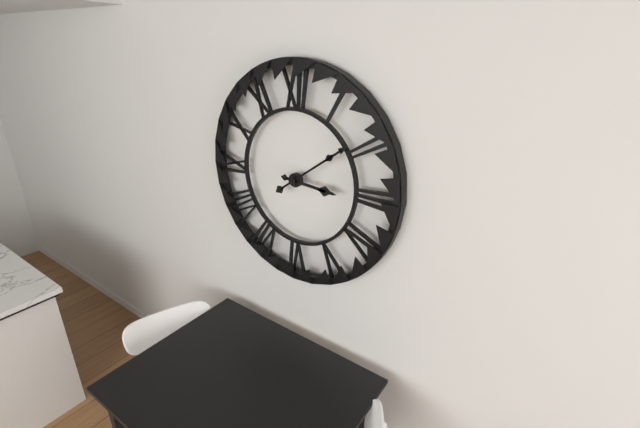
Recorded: **3:09**
